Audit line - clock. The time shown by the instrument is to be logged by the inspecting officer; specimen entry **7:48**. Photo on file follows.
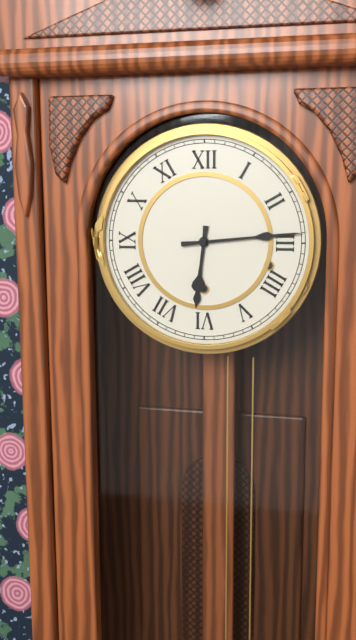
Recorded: **6:14**
